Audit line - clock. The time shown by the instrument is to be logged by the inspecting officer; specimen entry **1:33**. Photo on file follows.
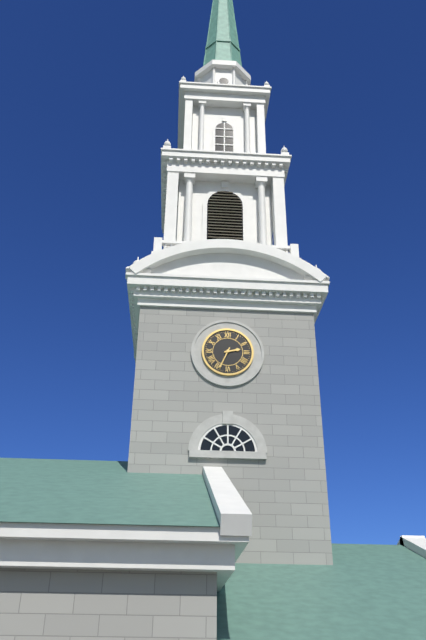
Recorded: **2:34**
